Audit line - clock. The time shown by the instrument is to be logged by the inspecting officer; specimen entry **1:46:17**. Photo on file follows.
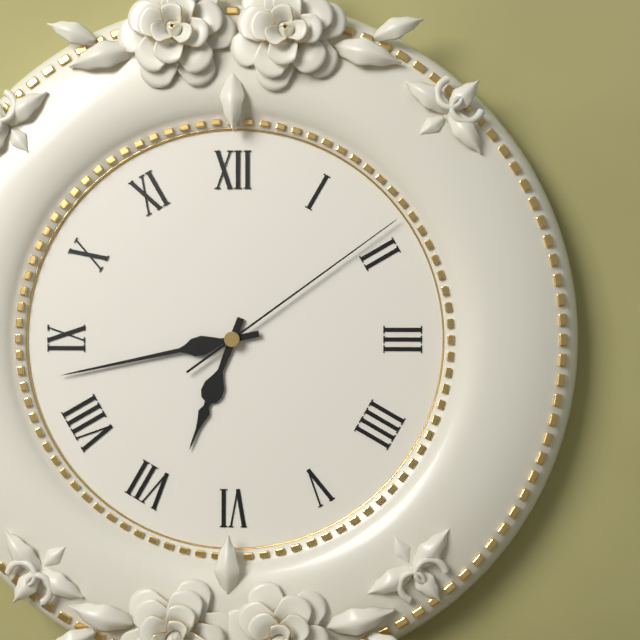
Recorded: **6:43:09**
